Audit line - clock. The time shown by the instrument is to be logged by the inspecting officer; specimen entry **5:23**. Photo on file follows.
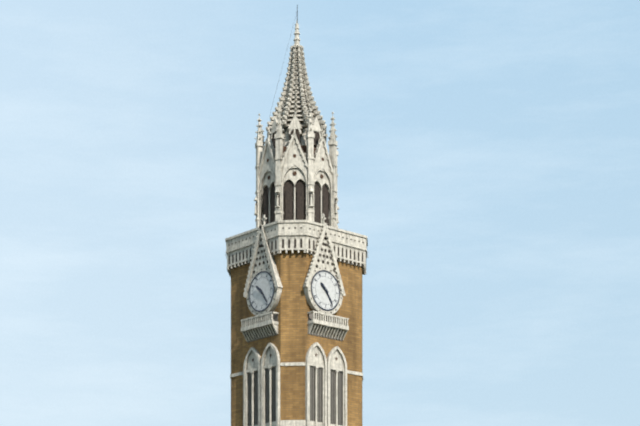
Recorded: **10:24**
